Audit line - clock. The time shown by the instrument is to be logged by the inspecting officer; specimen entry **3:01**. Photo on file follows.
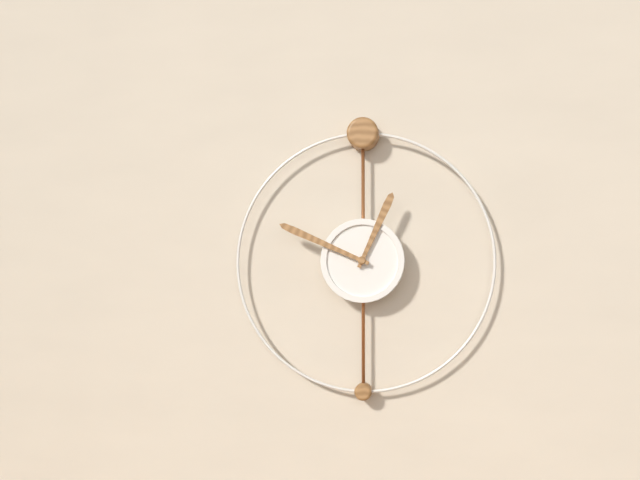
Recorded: **12:49**
